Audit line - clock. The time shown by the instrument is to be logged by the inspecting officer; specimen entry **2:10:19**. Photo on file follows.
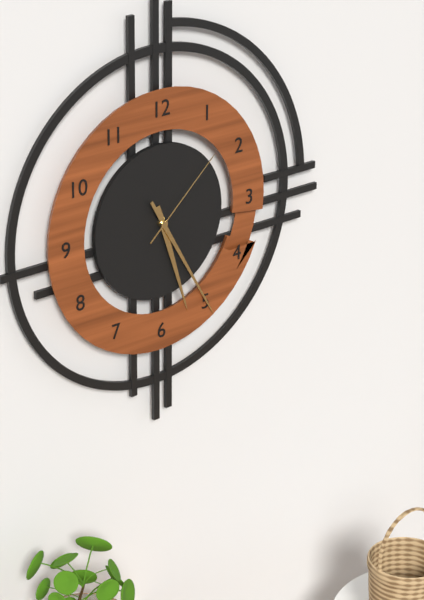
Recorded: **5:25:08**
